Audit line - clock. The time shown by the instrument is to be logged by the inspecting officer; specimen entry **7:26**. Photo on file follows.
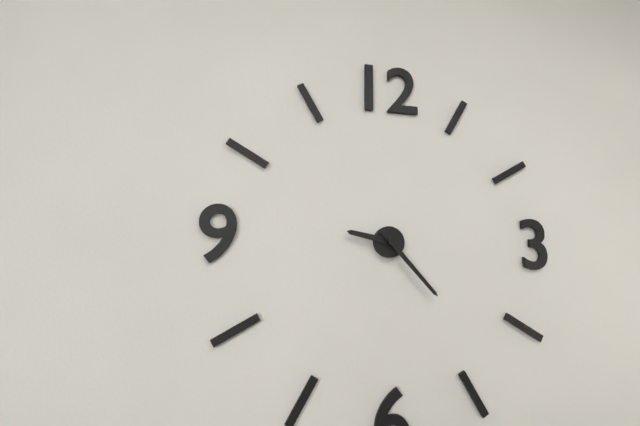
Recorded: **9:23**
